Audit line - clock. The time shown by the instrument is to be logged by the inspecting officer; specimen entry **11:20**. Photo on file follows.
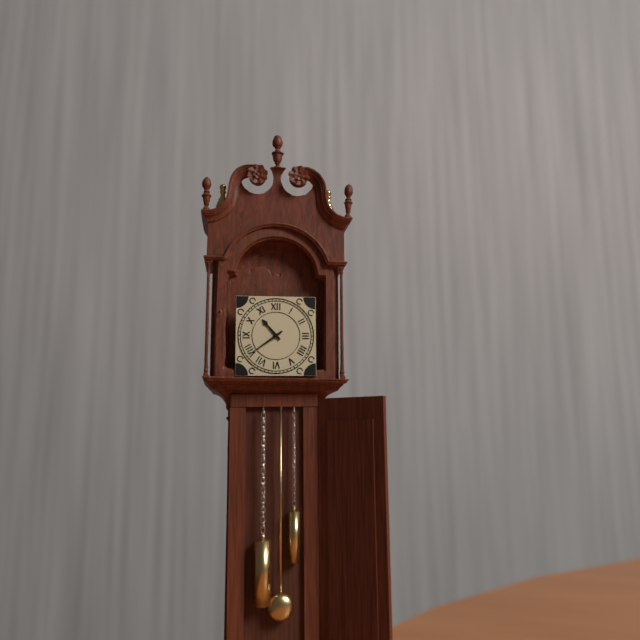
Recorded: **10:39**
